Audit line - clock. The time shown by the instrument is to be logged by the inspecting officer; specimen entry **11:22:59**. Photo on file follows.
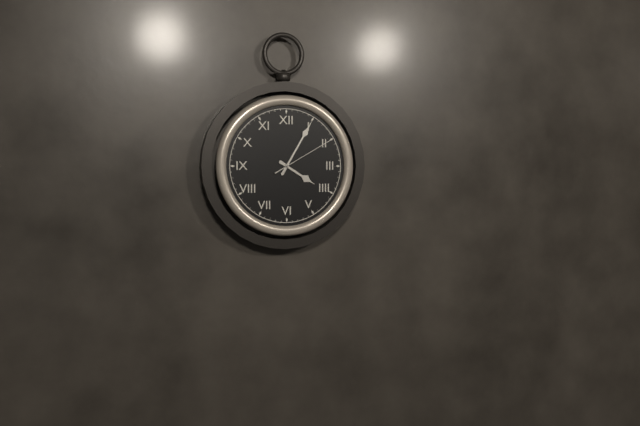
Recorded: **4:05:10**
